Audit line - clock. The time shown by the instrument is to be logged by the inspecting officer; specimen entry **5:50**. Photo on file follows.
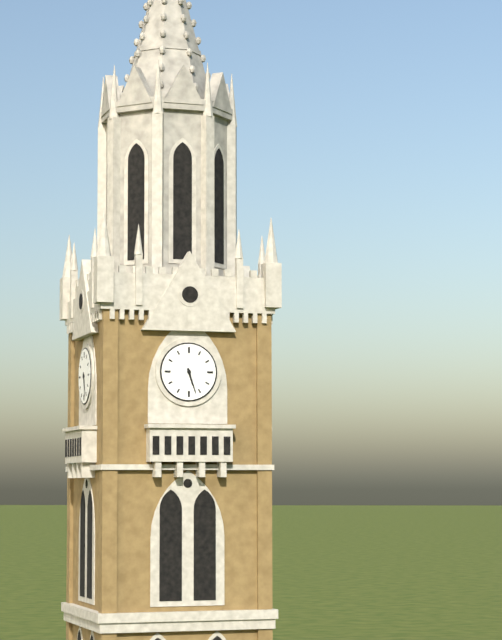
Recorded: **5:27**
